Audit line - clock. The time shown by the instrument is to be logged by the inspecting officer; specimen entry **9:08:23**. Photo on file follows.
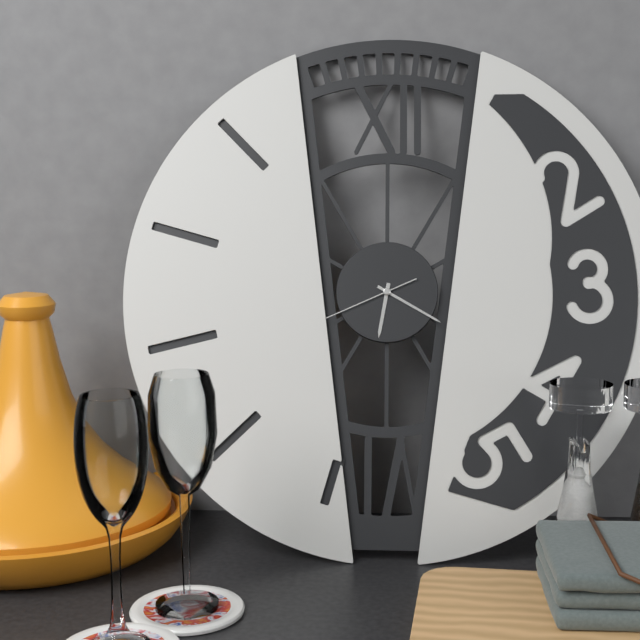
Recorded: **6:20:41**
